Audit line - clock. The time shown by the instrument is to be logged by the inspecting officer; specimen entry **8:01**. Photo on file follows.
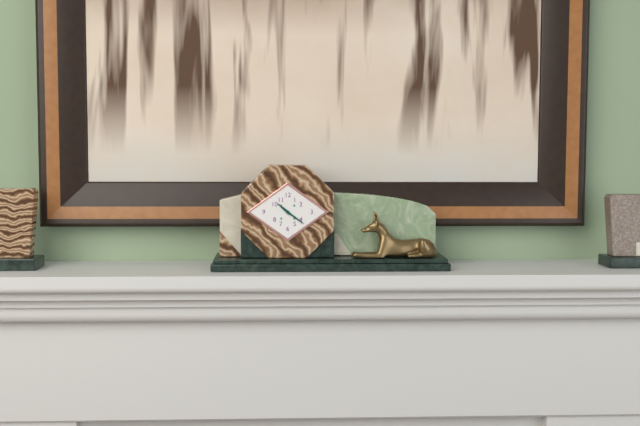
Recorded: **10:21**
